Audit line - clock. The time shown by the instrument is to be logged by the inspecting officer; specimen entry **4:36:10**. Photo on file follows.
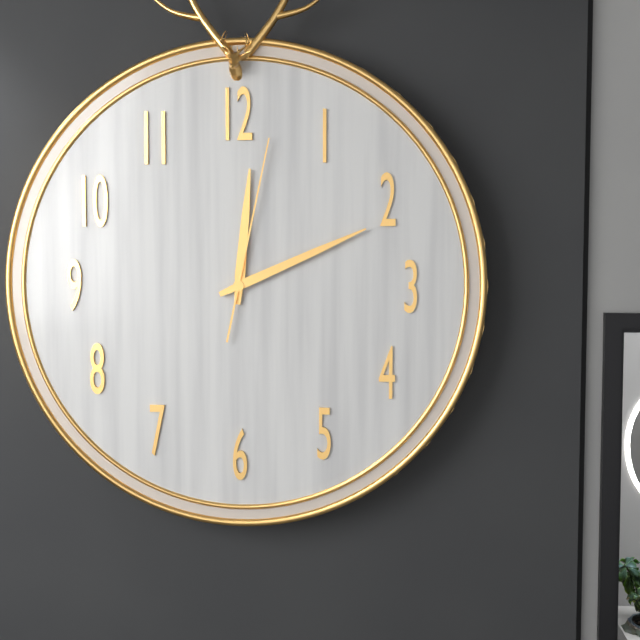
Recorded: **12:11:02**
